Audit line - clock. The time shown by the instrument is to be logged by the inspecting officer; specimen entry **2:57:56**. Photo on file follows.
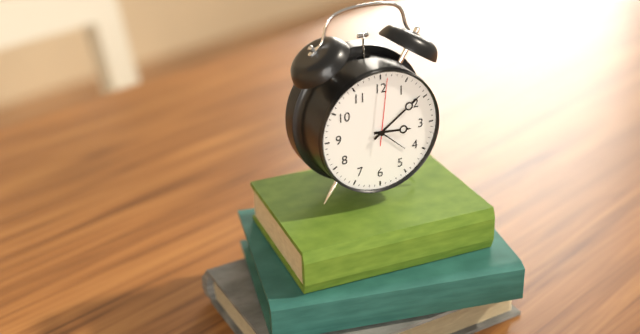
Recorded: **3:09:01**
